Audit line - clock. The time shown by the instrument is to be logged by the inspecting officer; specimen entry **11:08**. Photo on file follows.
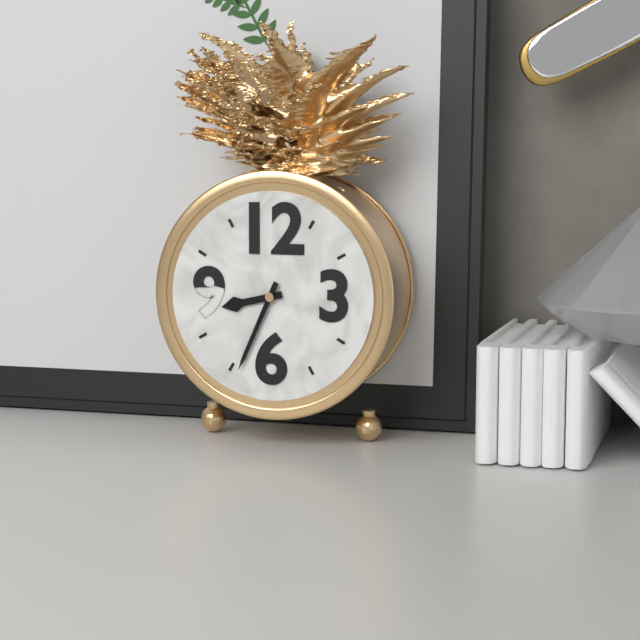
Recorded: **8:34**
